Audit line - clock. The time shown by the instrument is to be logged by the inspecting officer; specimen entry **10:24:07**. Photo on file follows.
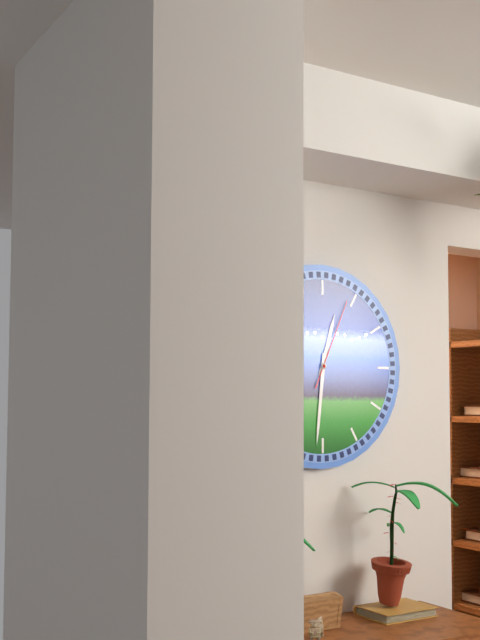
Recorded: **12:31:04**
